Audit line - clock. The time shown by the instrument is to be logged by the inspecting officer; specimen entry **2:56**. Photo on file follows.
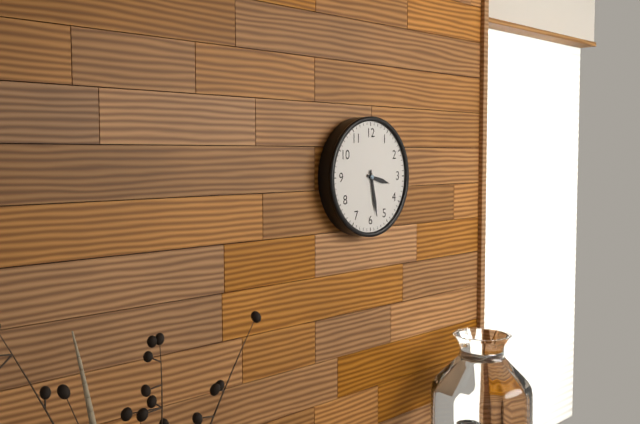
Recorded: **3:28**
